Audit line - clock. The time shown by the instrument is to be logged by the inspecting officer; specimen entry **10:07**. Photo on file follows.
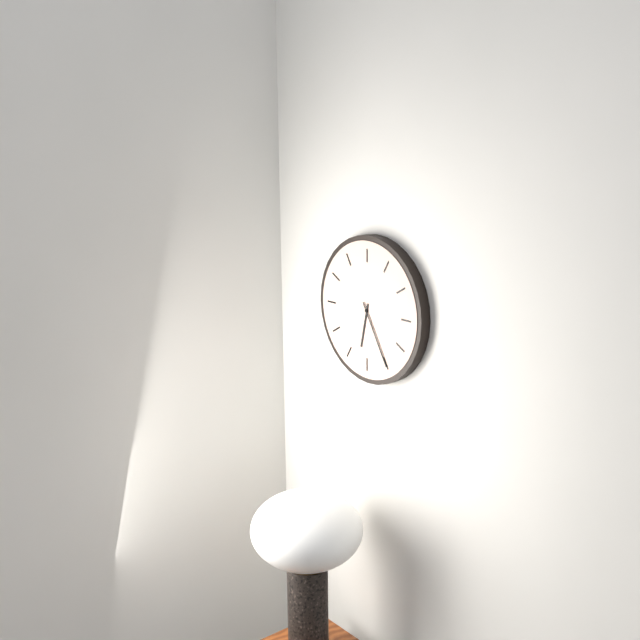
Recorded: **6:25**
